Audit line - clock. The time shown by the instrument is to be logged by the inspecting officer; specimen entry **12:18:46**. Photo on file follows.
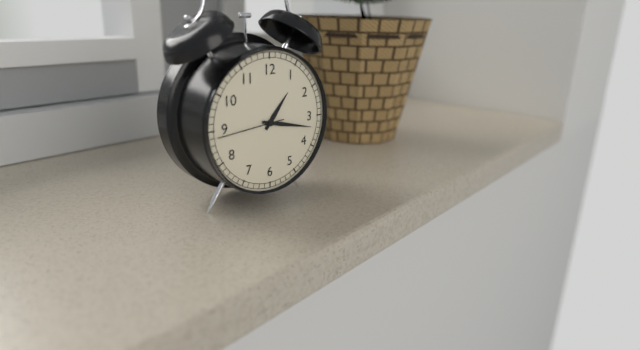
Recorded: **1:17:44**
